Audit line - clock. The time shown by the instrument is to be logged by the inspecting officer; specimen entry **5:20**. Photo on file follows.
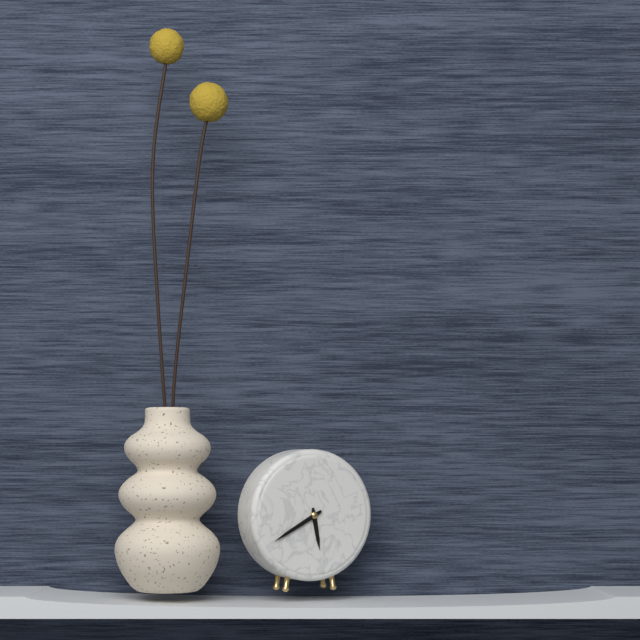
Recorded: **5:40**
